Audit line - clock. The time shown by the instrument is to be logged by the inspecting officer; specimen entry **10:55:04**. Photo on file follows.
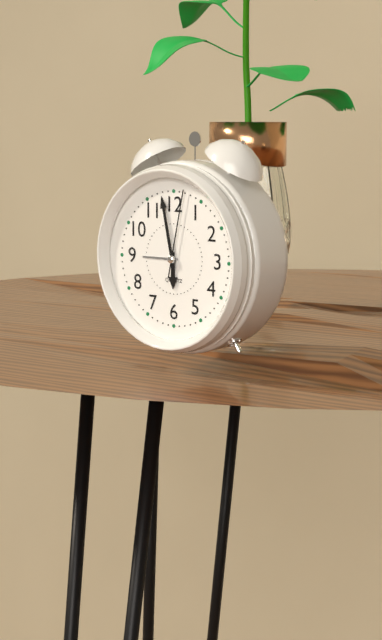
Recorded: **5:58:02**
